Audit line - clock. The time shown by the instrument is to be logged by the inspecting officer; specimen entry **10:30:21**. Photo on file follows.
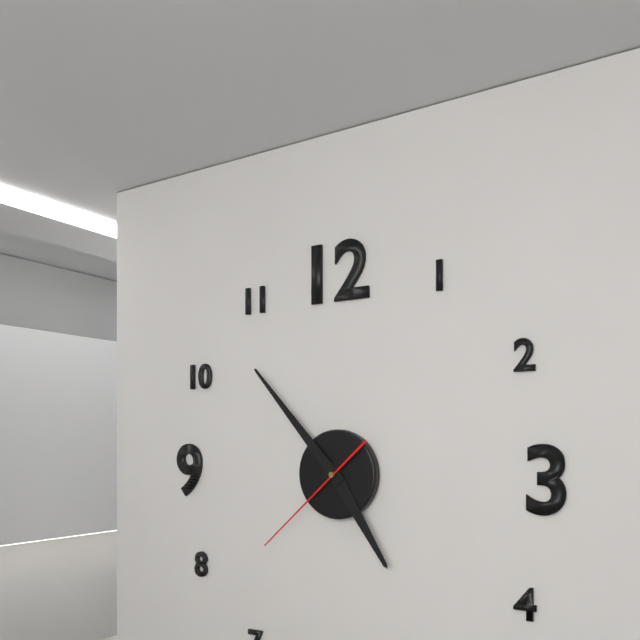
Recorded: **4:53:38**
